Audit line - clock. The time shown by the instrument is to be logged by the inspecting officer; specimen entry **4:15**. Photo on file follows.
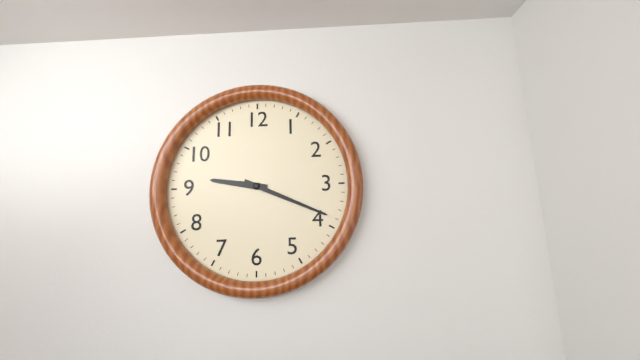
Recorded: **9:19**
